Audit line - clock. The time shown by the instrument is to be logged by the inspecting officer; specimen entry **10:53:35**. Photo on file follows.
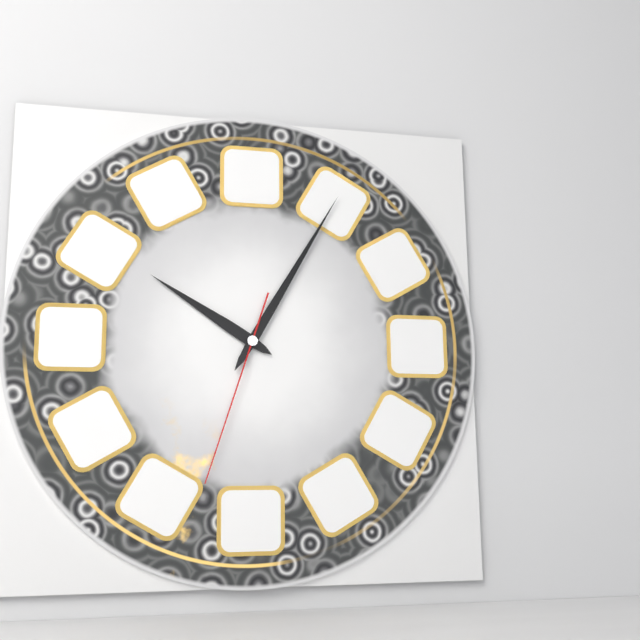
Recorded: **10:05:33**
